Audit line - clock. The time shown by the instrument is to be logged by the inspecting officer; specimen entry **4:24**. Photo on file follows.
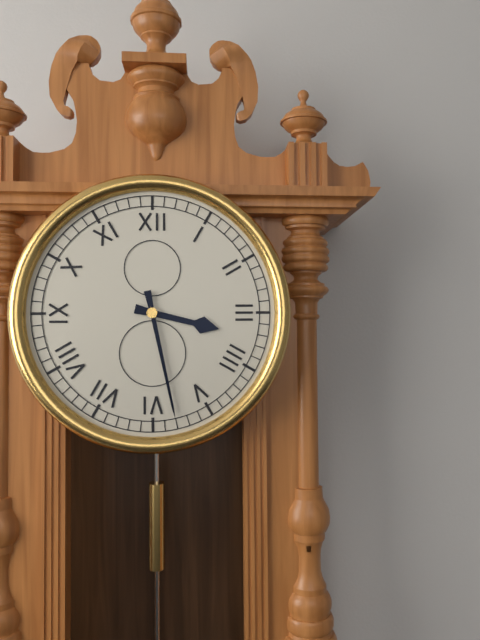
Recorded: **3:28**
